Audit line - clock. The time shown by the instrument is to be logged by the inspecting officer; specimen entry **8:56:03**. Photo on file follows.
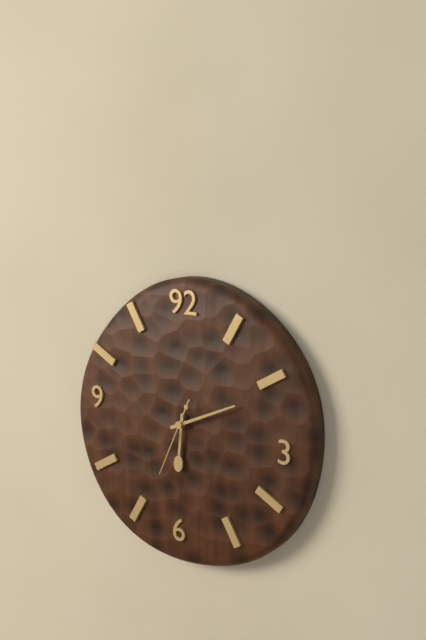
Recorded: **6:11:34**
